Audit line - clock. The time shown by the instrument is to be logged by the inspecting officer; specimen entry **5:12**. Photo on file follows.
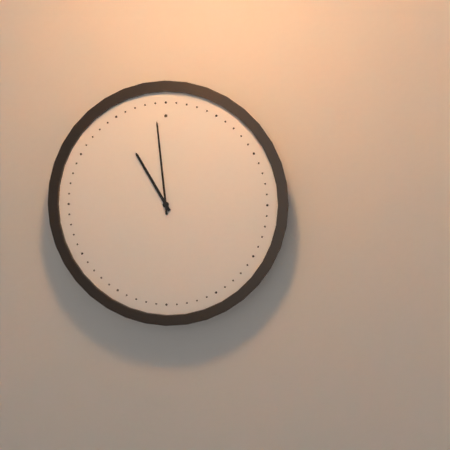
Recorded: **10:59**
